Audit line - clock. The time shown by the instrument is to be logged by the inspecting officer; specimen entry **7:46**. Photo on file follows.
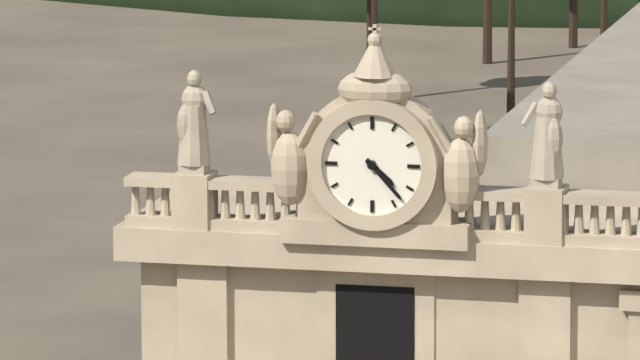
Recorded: **4:23**
